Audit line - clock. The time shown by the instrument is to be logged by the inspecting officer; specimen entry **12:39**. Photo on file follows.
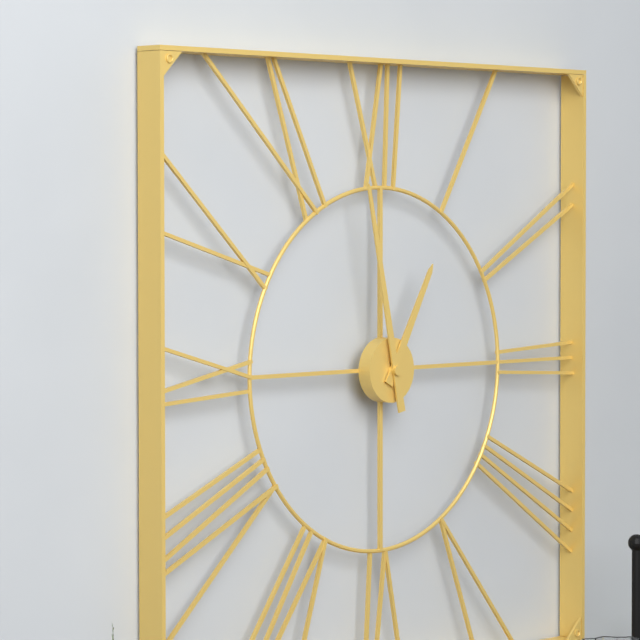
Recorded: **12:58**
